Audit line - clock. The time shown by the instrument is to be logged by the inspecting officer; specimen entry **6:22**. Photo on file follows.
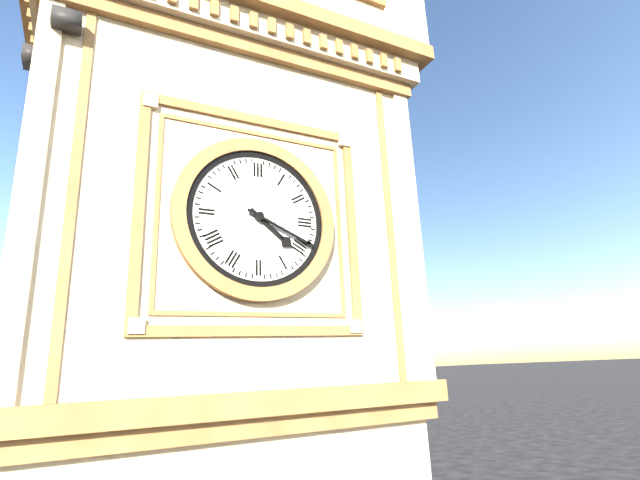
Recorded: **4:19**
